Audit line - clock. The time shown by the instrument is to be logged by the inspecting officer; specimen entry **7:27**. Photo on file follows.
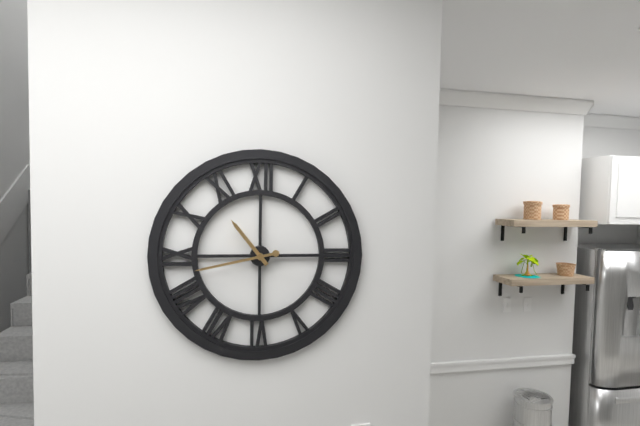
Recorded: **10:43**
